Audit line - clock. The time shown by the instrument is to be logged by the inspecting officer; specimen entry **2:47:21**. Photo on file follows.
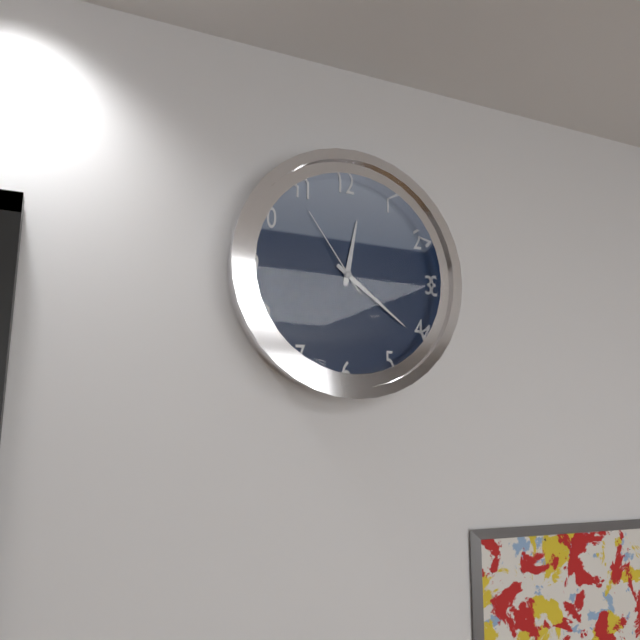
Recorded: **12:21:54**
